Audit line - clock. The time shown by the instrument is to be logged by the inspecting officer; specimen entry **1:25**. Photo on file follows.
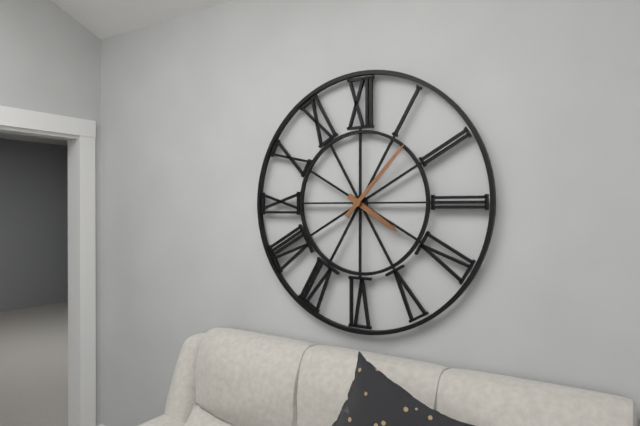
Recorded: **4:07**
